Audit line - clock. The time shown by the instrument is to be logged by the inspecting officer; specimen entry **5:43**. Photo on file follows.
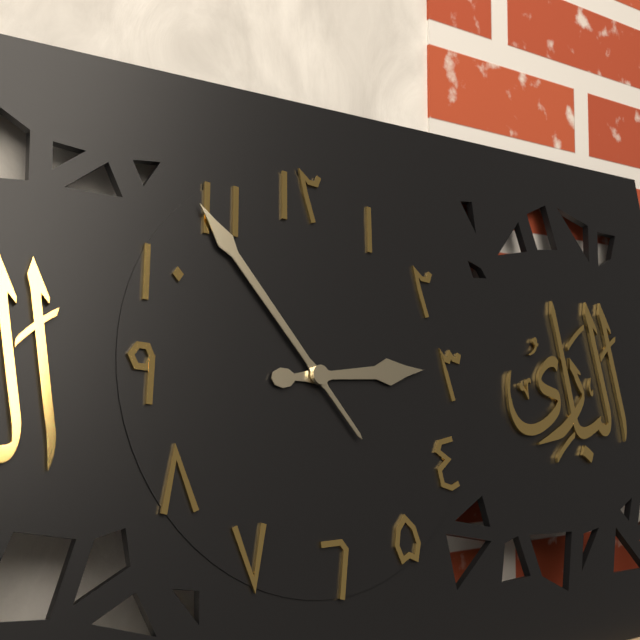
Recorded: **2:54**
